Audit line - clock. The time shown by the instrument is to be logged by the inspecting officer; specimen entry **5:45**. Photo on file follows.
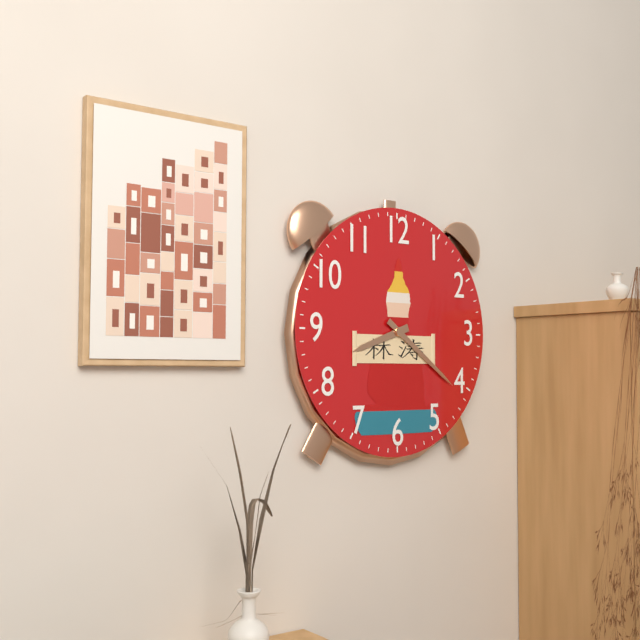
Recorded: **8:21**
